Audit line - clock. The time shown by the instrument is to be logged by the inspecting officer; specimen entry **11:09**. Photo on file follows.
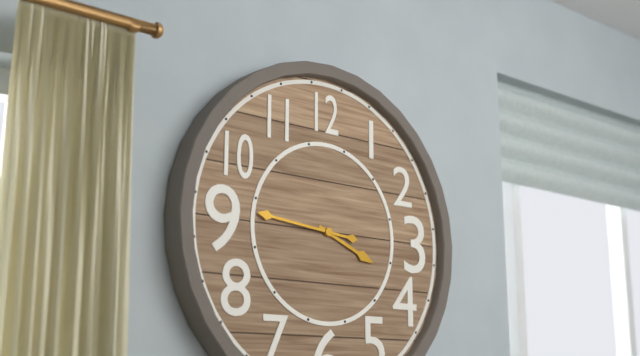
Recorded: **3:46**
